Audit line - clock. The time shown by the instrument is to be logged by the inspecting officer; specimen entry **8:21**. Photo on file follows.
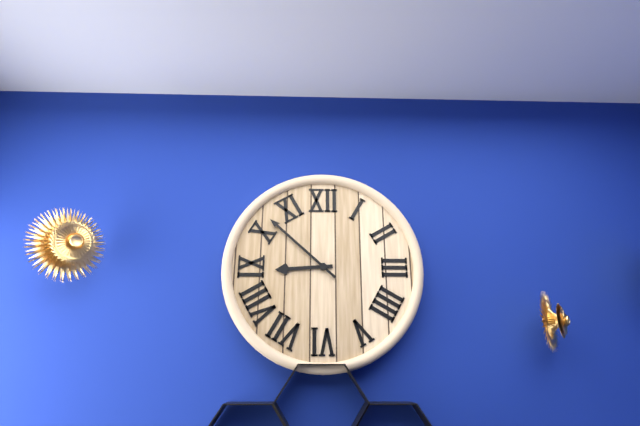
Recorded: **8:52**
